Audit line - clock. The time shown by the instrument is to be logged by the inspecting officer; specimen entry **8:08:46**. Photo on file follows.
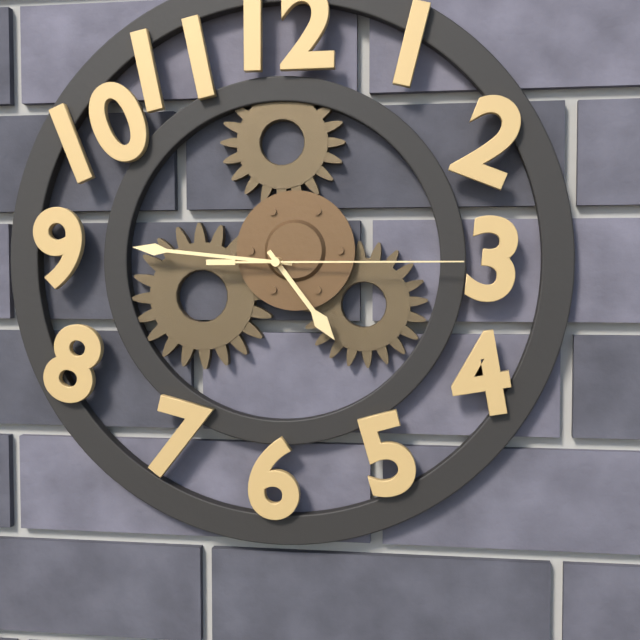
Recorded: **4:46:15**
